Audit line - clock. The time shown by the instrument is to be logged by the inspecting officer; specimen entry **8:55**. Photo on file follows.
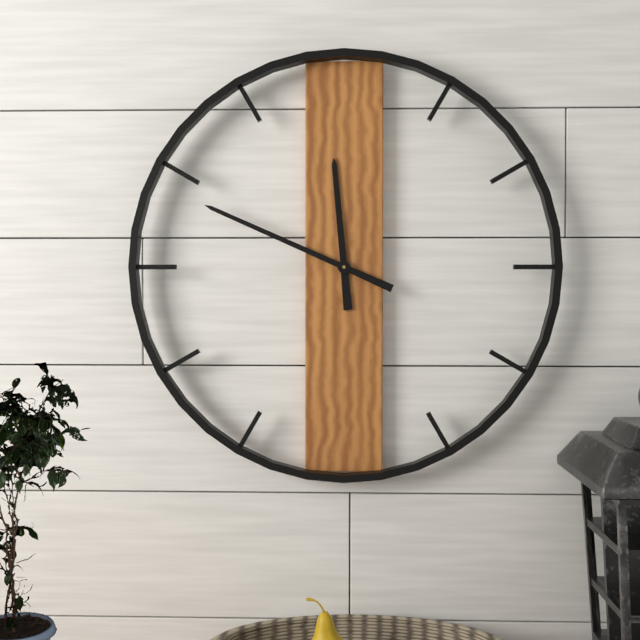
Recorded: **11:49**
